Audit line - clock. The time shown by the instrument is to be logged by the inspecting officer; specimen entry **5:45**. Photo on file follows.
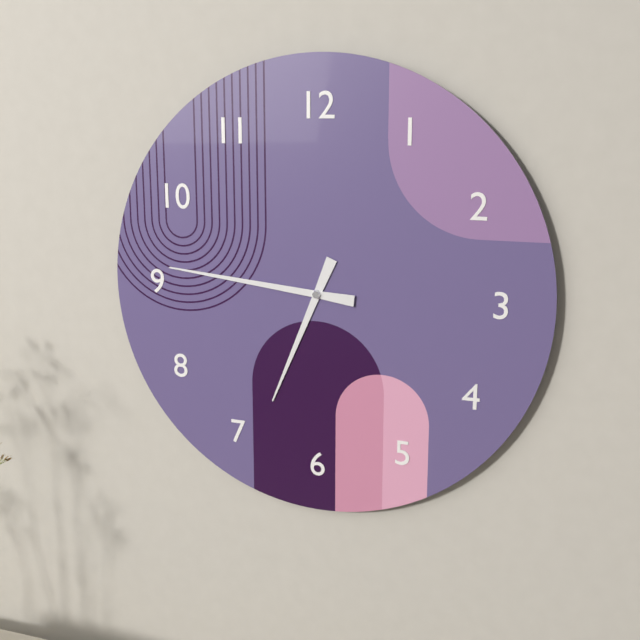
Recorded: **6:46**
